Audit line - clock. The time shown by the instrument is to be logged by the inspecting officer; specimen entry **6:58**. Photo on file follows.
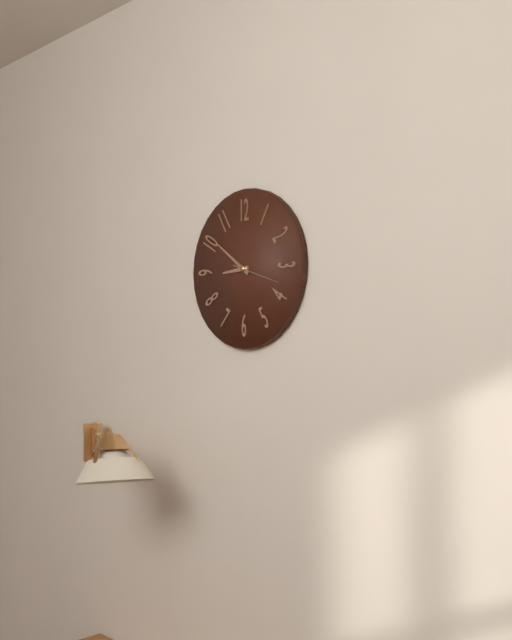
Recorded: **8:51**
